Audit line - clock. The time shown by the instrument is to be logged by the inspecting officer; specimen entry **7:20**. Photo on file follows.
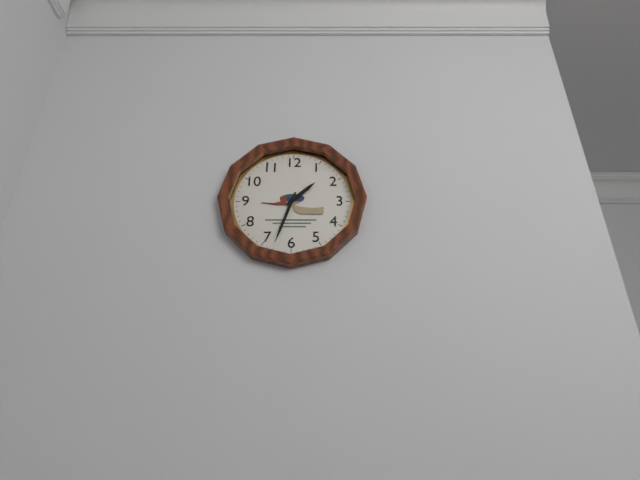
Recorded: **1:33**
